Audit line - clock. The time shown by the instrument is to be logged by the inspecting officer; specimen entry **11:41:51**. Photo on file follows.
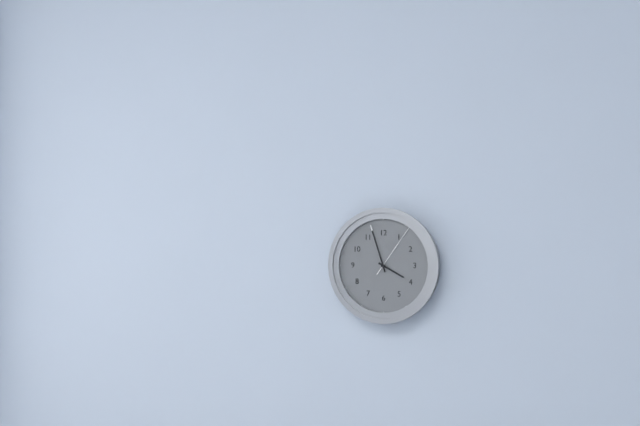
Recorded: **3:57:06**
